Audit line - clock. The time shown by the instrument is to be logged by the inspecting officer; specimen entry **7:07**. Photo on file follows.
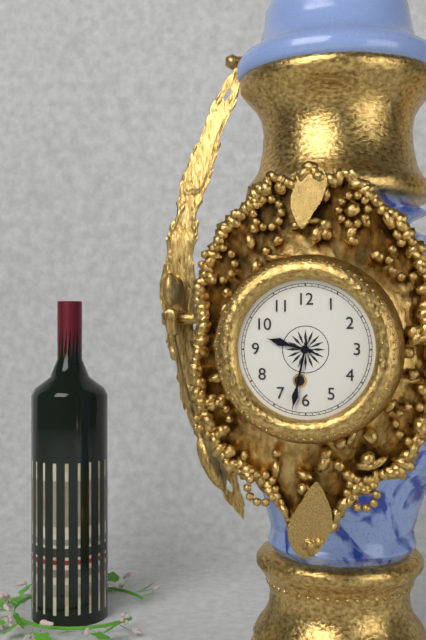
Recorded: **9:32**
